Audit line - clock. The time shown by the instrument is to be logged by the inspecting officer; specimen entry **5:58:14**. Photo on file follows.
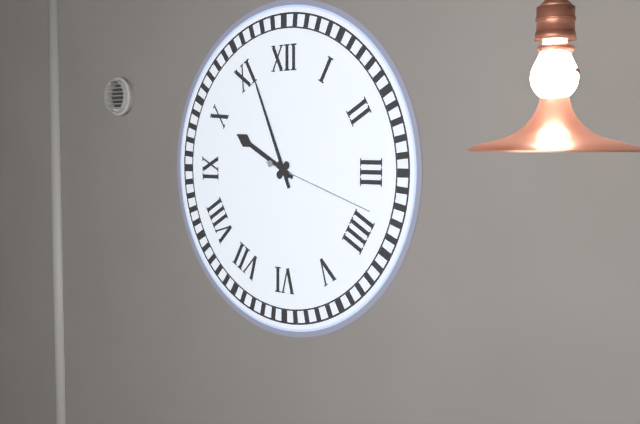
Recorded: **9:56:18**
